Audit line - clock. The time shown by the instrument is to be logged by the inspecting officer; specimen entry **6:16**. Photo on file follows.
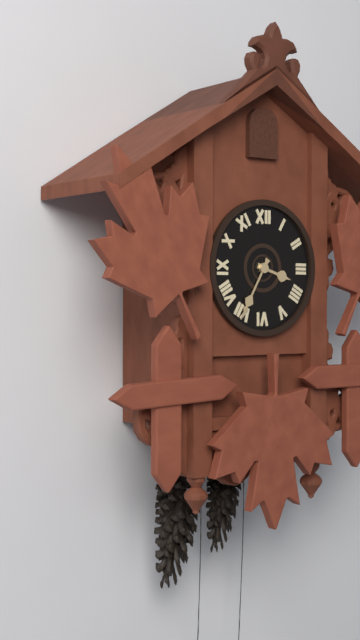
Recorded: **3:35**
